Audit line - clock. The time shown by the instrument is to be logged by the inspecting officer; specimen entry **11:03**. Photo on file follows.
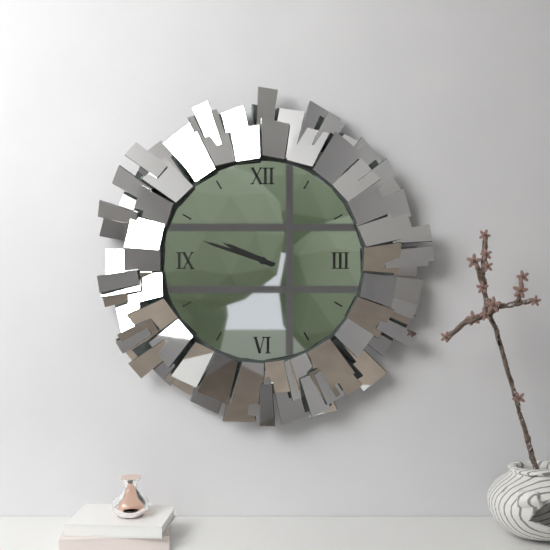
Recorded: **9:48**
